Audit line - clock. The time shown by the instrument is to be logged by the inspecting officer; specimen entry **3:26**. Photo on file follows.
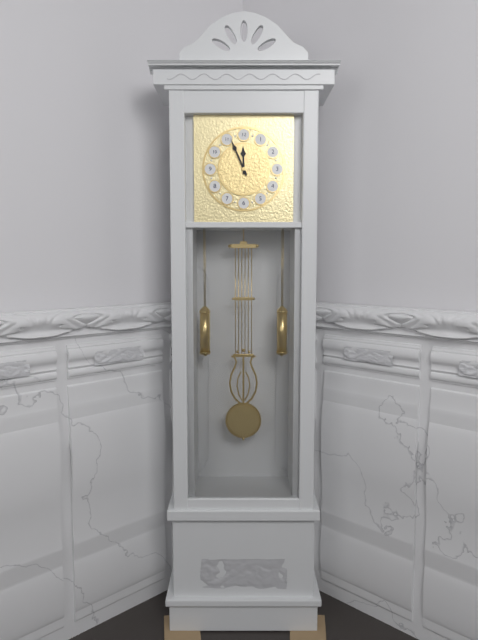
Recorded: **11:56**
